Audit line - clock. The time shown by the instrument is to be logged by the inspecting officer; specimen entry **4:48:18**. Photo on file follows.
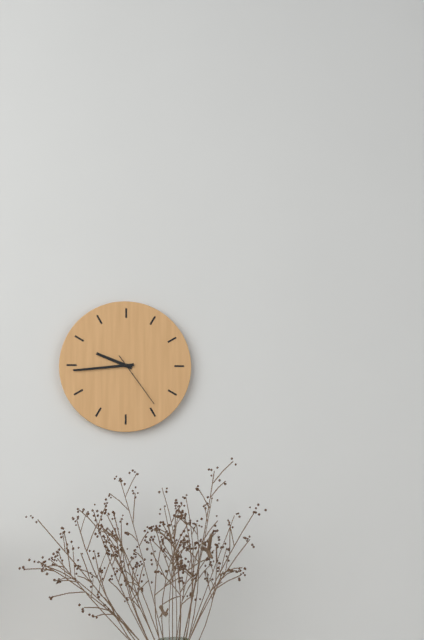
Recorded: **9:44:24**
